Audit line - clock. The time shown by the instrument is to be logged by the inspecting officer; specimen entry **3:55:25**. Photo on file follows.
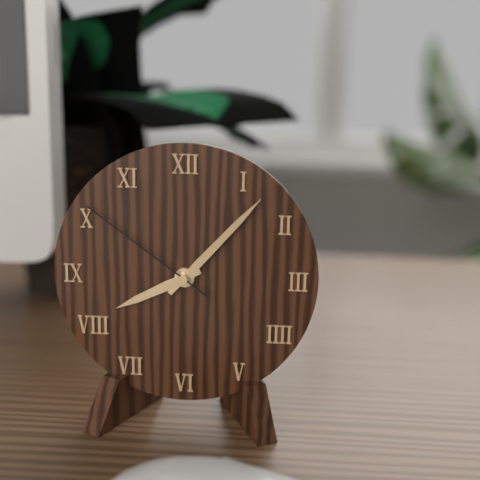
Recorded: **8:07:51**
